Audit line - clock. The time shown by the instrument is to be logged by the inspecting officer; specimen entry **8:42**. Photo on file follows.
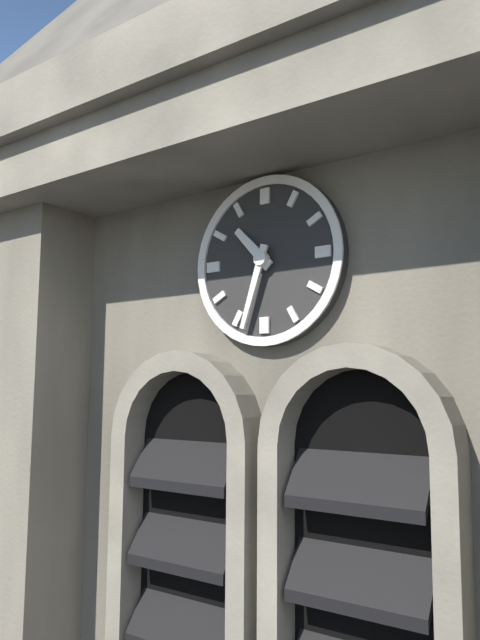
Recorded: **10:33**
